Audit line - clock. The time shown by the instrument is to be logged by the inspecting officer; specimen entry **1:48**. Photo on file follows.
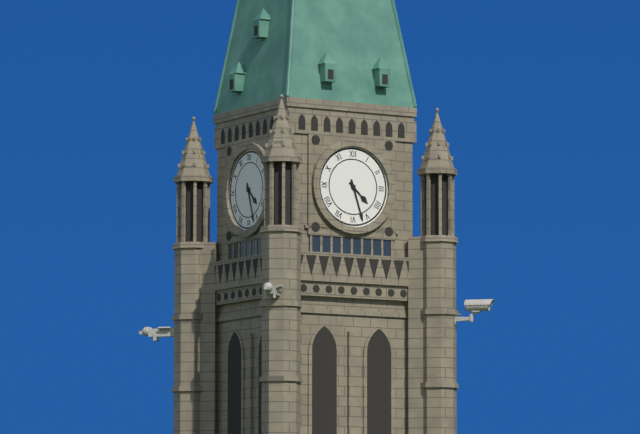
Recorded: **4:27**
